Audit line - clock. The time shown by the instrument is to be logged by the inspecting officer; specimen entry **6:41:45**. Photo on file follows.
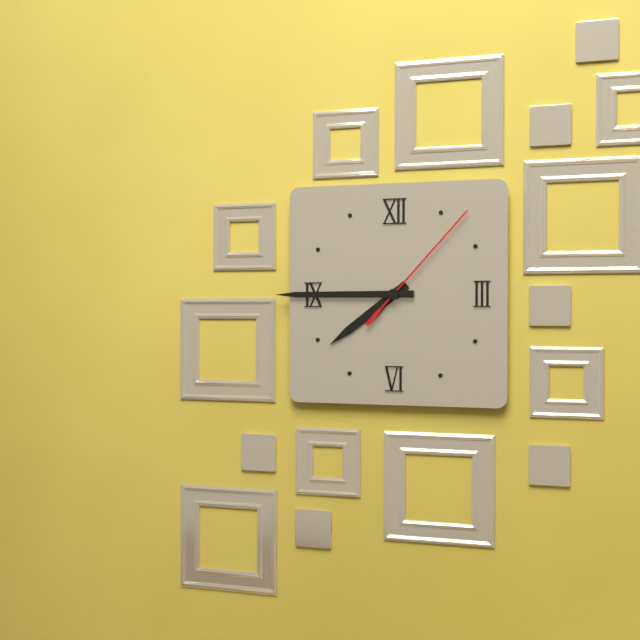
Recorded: **7:45:07**
